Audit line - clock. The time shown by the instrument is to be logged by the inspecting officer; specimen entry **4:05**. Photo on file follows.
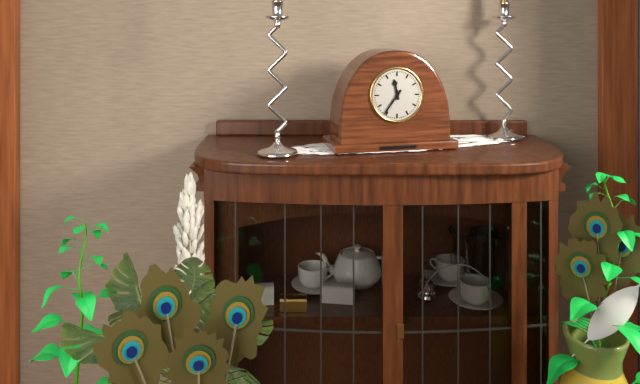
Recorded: **11:36**
